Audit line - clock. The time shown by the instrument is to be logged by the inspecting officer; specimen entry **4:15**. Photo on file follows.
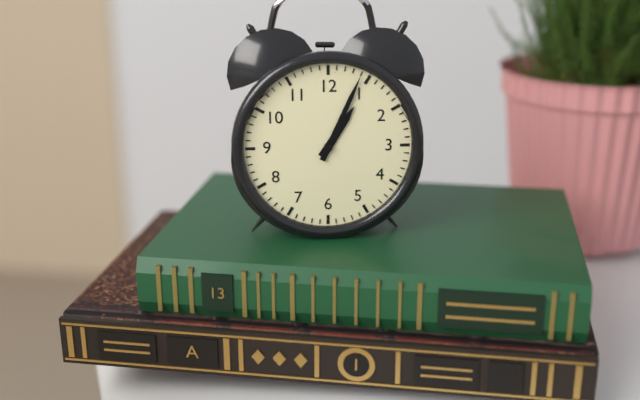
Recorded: **1:04**
